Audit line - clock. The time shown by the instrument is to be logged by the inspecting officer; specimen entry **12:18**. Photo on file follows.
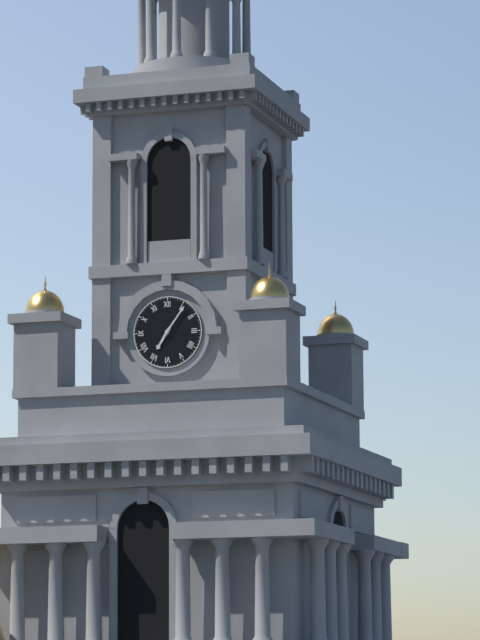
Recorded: **7:06**
